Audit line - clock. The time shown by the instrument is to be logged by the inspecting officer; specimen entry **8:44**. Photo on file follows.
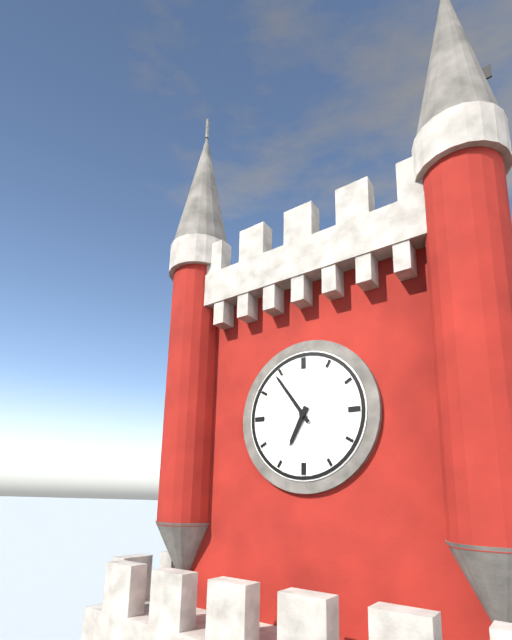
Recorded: **6:54**
